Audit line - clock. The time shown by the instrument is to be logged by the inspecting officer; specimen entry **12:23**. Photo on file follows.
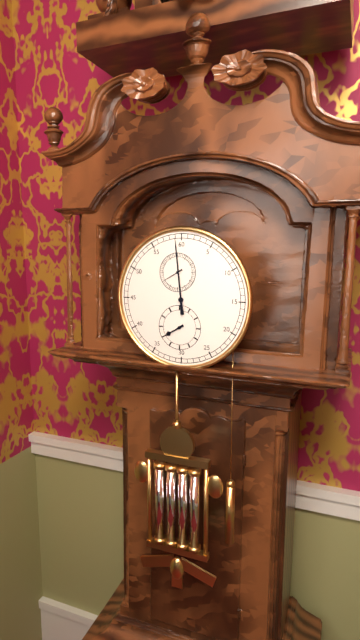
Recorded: **7:59**
